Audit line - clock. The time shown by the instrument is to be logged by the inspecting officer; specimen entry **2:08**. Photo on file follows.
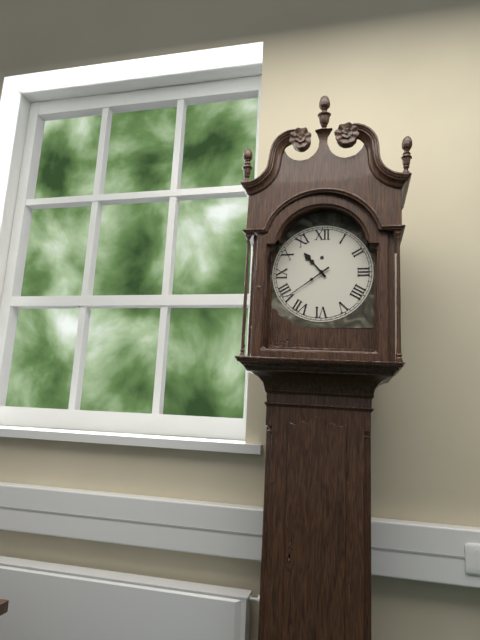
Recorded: **10:39**
